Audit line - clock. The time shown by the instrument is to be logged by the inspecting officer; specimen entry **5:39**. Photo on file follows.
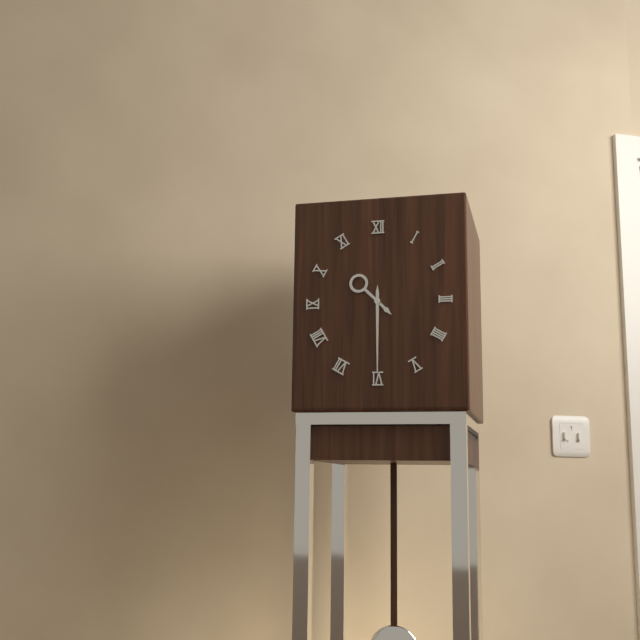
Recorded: **10:30**
